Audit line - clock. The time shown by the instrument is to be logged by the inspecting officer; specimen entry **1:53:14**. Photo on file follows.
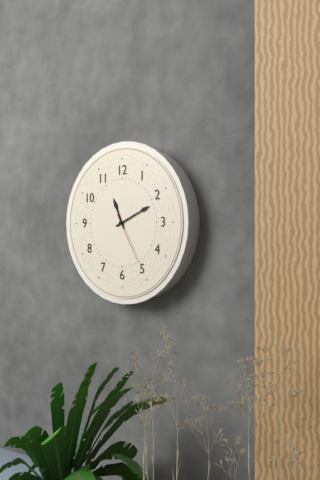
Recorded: **11:11:25**
